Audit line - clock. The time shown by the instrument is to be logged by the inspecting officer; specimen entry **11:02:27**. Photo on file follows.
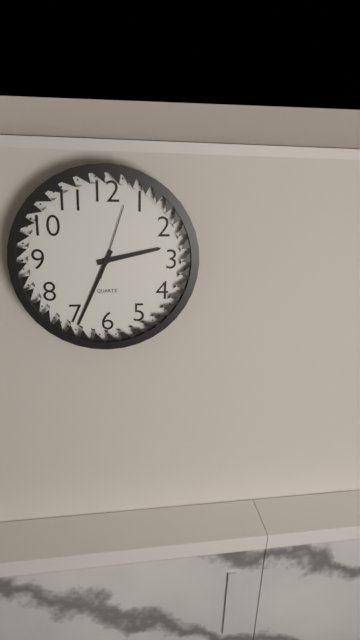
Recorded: **2:34:03**
